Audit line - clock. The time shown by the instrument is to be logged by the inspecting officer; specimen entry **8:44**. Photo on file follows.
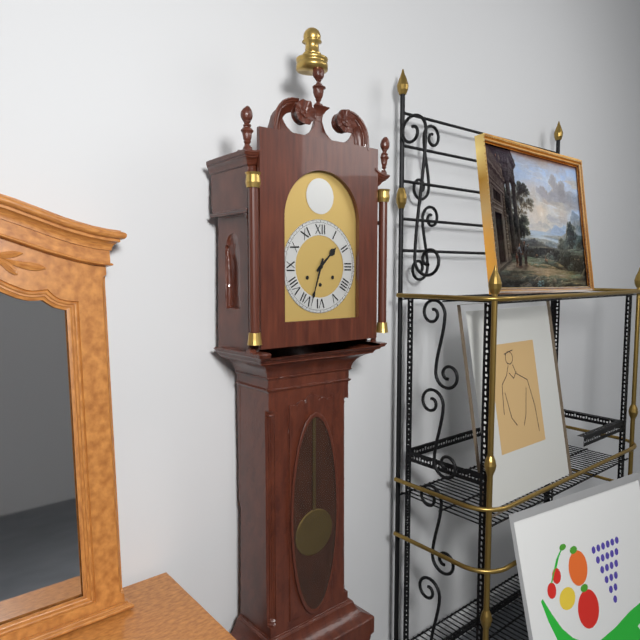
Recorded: **1:33**
